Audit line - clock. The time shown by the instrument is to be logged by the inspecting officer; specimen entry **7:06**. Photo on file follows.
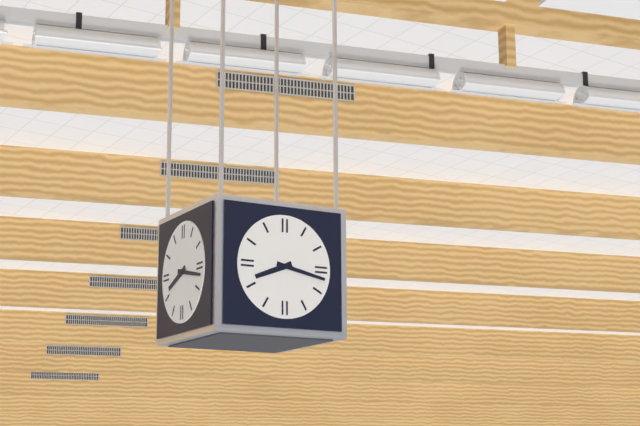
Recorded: **8:17**
